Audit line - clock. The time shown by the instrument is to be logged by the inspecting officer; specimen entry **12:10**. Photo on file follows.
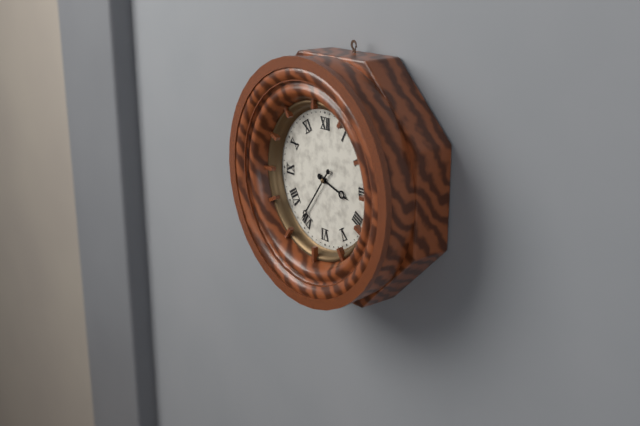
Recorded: **3:36**
